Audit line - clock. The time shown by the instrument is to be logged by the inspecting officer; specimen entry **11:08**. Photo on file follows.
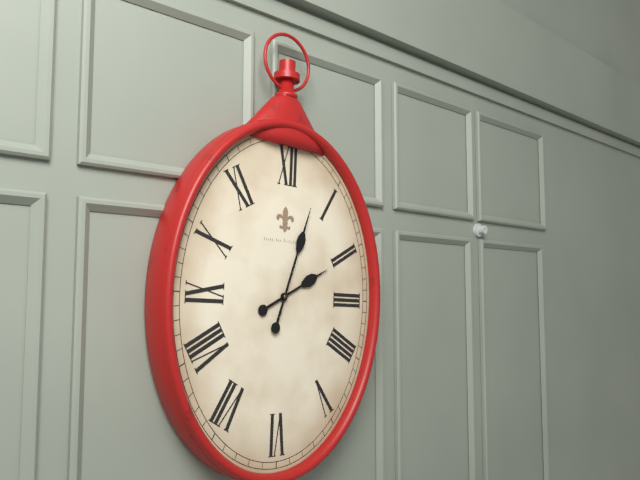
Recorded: **2:03**
